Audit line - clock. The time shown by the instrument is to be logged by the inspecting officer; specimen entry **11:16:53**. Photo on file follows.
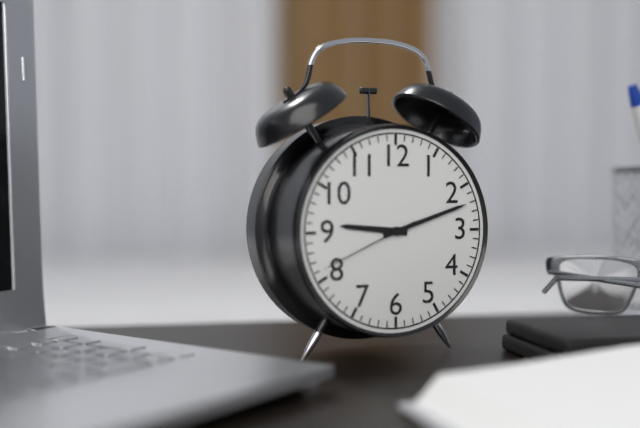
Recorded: **9:12:41**
